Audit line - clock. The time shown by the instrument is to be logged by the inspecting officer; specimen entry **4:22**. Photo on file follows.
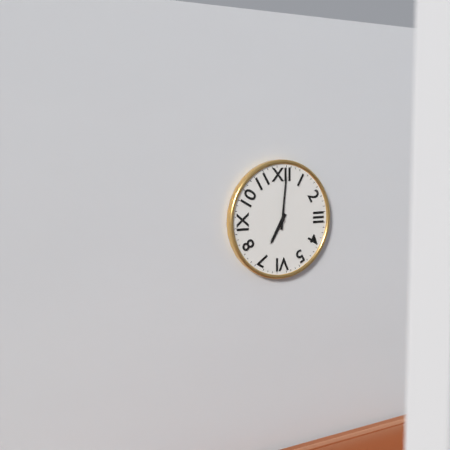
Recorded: **7:01**
